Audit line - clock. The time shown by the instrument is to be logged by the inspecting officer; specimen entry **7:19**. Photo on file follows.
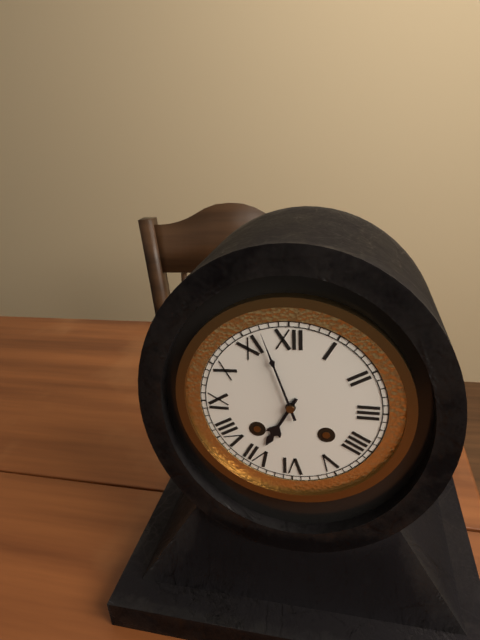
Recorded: **6:57**
